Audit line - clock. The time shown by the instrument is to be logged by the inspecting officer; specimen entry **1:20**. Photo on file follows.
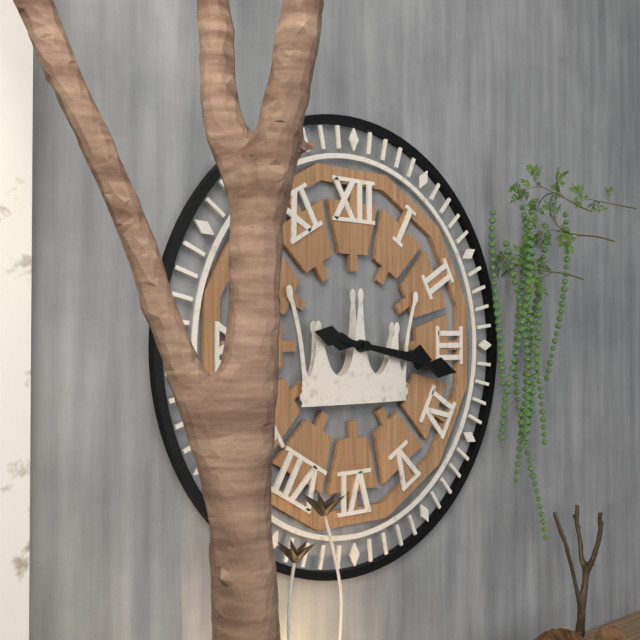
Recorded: **3:17**
